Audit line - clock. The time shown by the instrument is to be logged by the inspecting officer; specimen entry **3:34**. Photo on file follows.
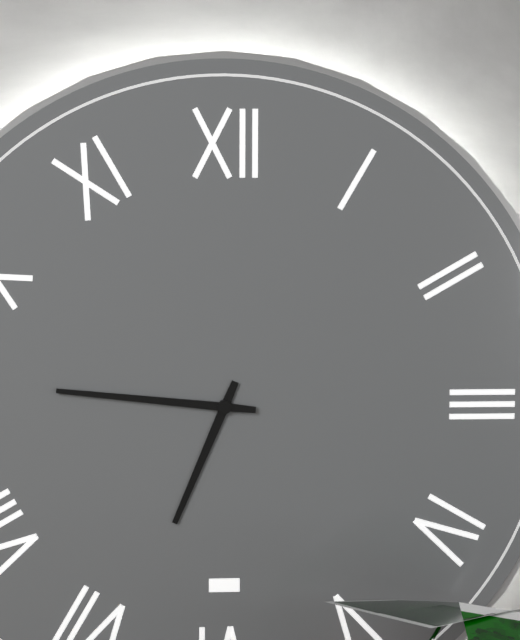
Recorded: **6:46**
